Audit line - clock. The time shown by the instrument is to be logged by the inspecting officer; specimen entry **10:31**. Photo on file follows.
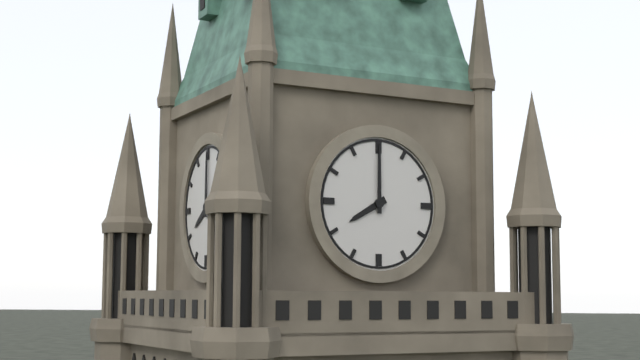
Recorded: **8:00**
